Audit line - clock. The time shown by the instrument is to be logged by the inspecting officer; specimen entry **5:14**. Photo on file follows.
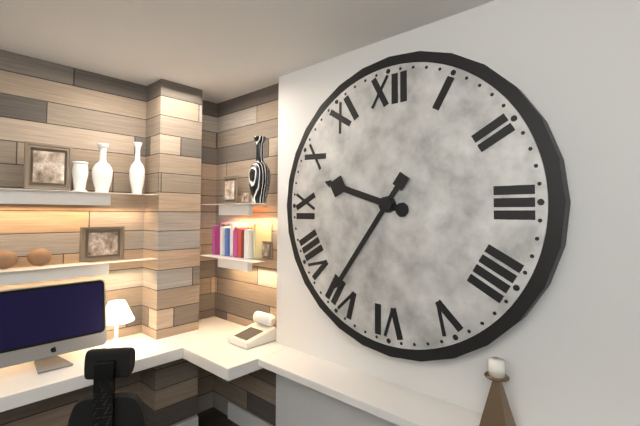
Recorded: **9:36**
